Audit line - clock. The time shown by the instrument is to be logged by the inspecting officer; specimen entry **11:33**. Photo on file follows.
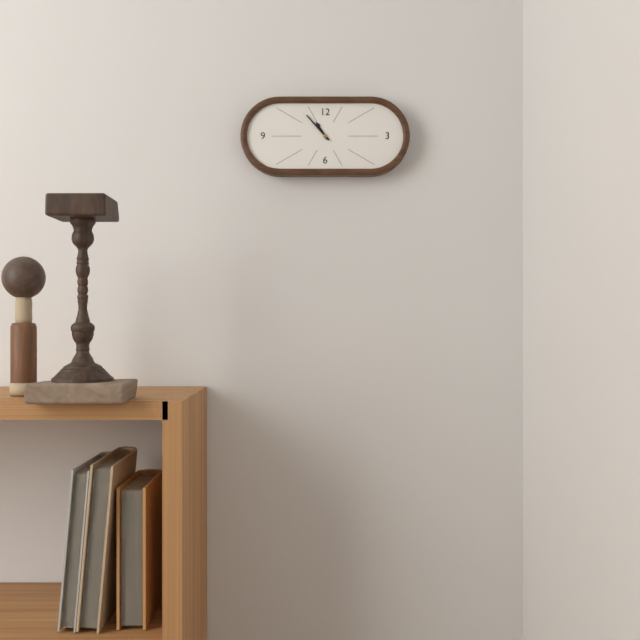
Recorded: **10:53**
